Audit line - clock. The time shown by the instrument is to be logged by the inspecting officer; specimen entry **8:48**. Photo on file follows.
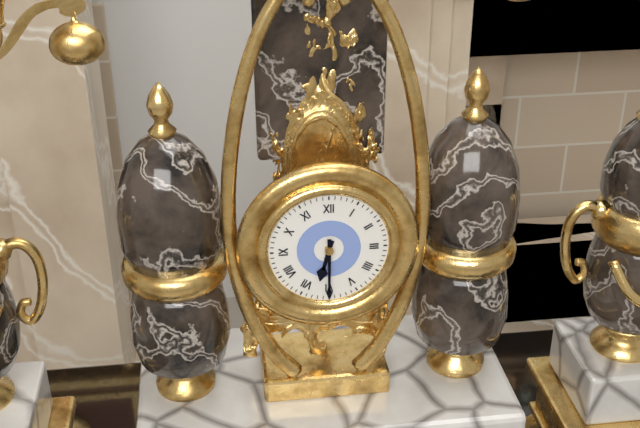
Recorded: **6:30**
